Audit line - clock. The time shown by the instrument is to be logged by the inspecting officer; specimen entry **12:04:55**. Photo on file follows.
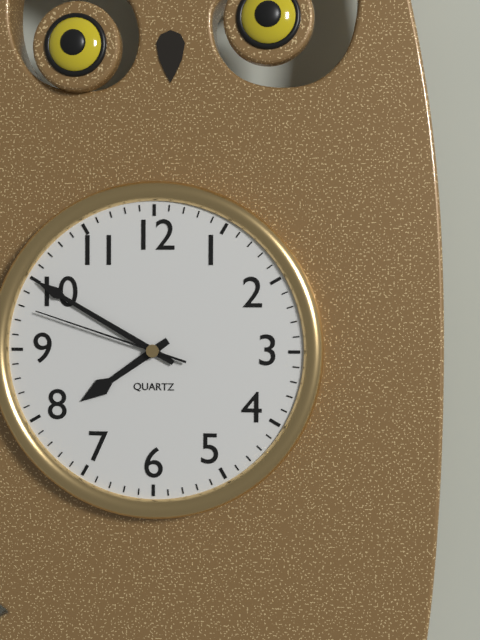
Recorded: **7:50:48**
